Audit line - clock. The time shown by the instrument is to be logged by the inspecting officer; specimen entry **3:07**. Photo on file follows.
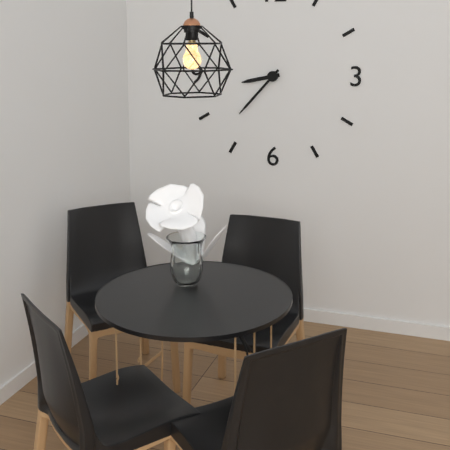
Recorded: **8:37**
